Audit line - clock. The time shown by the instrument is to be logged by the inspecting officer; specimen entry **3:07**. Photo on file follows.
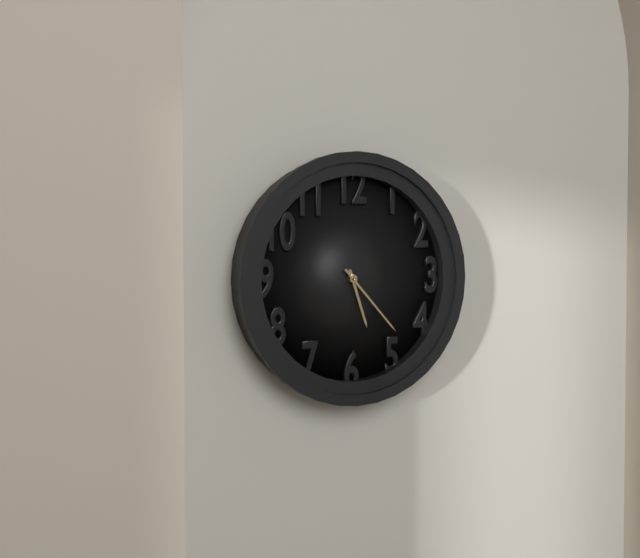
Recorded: **5:23**
